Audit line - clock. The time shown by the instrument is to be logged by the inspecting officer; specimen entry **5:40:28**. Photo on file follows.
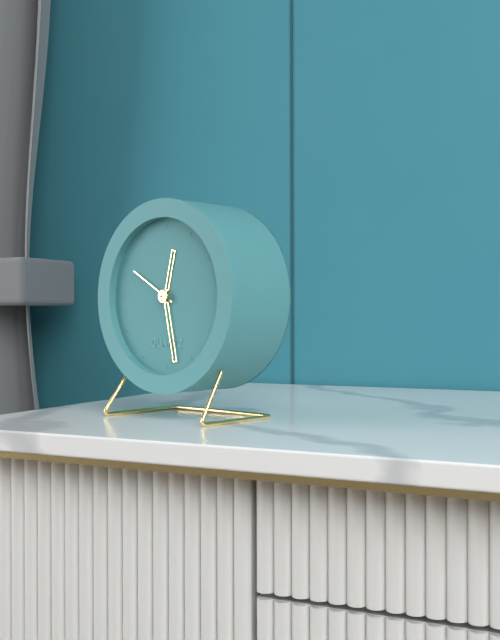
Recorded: **12:28:50**
